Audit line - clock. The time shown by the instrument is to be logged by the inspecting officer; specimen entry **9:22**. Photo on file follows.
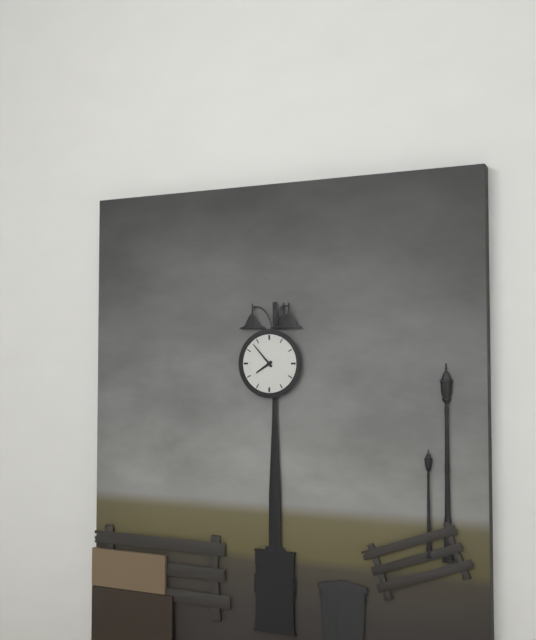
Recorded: **7:53**
